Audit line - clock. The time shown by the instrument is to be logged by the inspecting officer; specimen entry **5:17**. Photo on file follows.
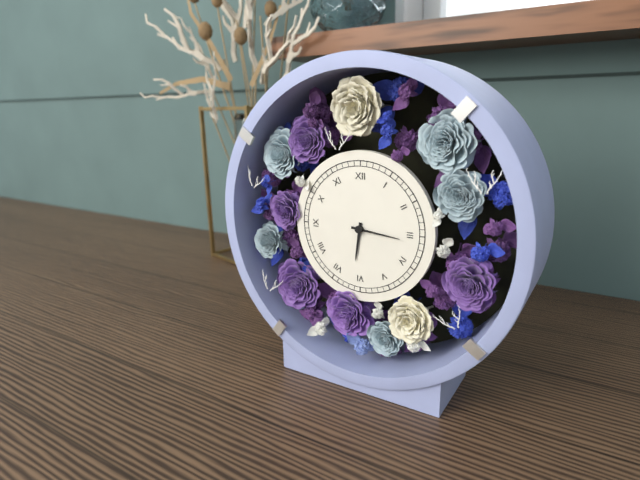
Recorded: **6:16**
